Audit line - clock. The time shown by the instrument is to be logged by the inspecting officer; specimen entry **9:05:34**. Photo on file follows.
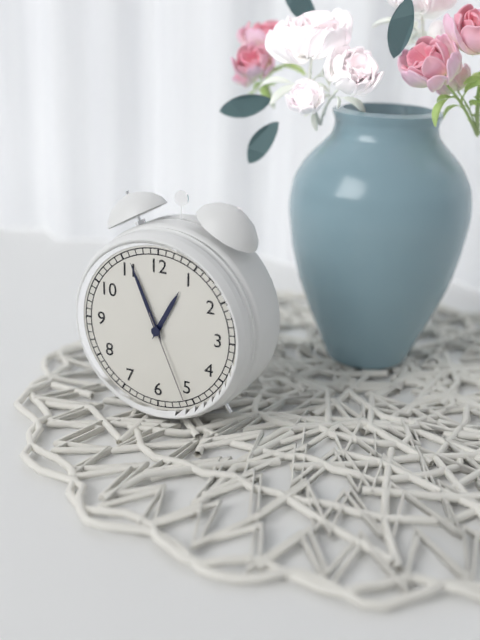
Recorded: **12:56:26**
